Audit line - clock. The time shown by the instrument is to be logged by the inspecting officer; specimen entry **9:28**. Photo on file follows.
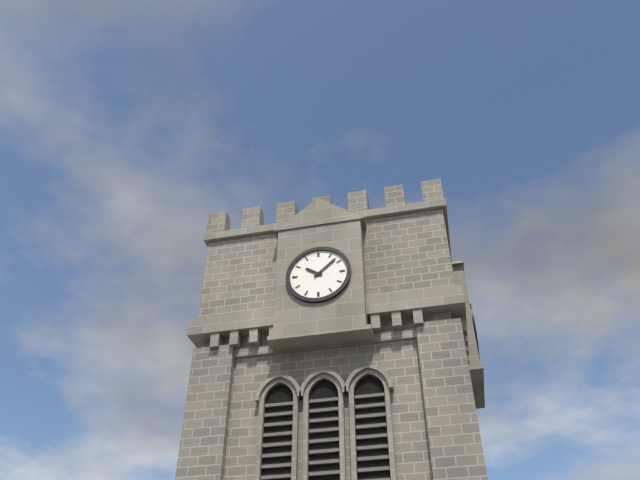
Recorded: **10:08**
